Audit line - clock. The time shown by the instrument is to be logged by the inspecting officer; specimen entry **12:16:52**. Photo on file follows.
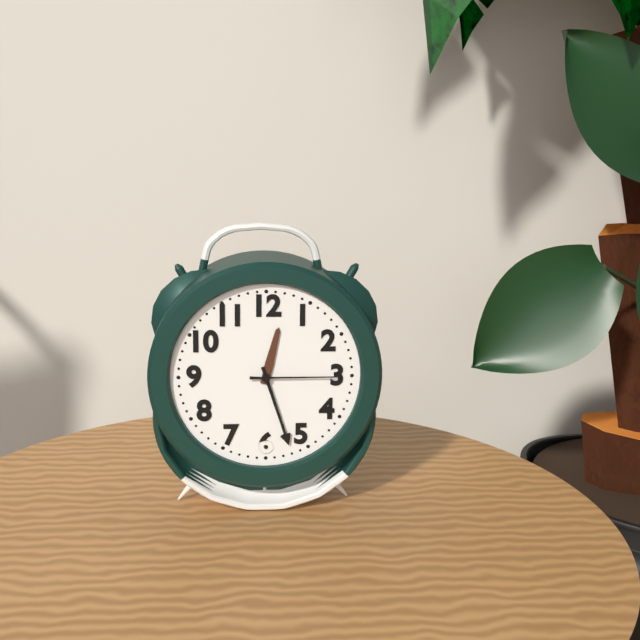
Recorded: **12:27:15**
